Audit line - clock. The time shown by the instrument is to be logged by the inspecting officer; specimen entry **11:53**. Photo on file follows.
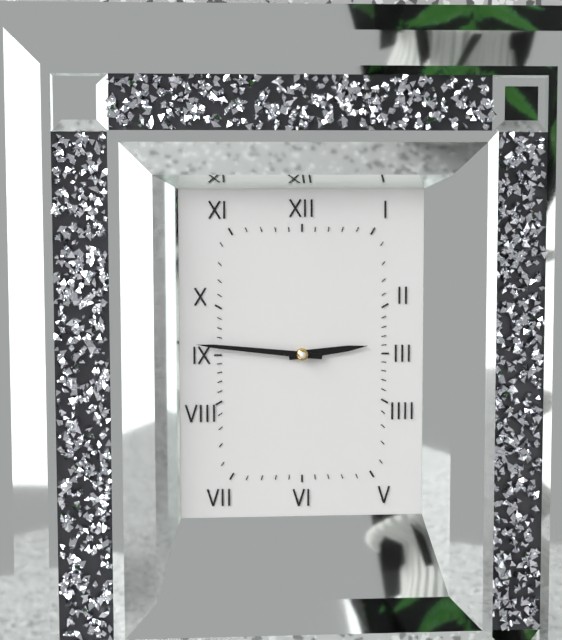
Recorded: **2:46**
